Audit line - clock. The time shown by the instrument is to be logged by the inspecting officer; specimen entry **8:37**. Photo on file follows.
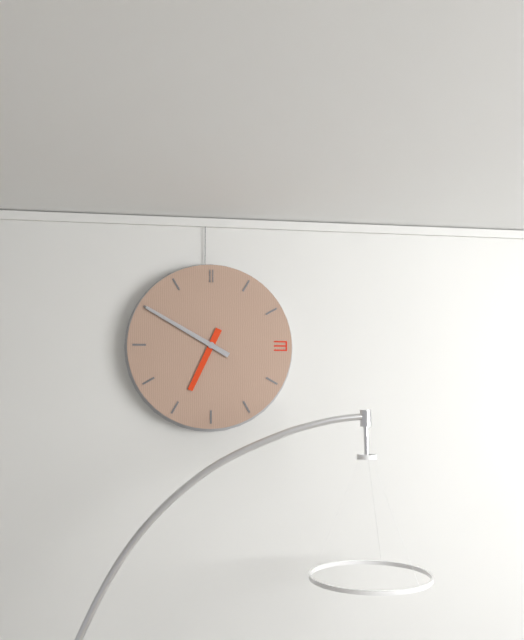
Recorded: **6:50**
